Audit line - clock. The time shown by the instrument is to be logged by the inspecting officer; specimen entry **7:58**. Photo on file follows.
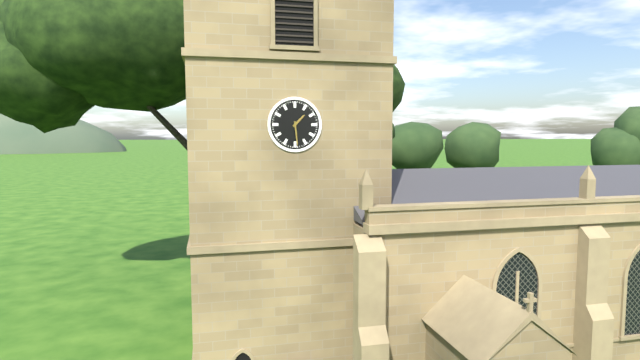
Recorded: **1:29**
